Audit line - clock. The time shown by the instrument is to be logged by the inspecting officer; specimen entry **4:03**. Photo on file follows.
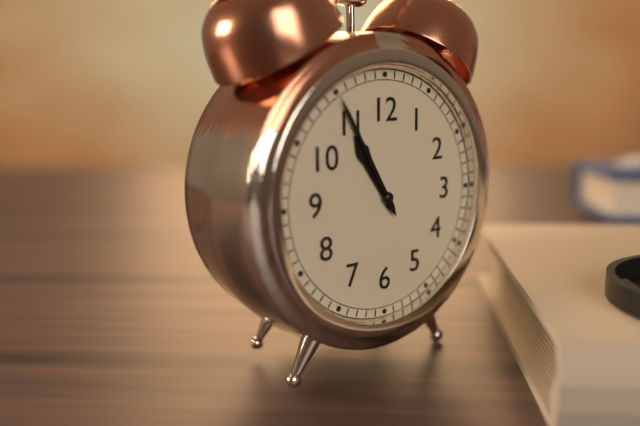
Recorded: **10:55**
